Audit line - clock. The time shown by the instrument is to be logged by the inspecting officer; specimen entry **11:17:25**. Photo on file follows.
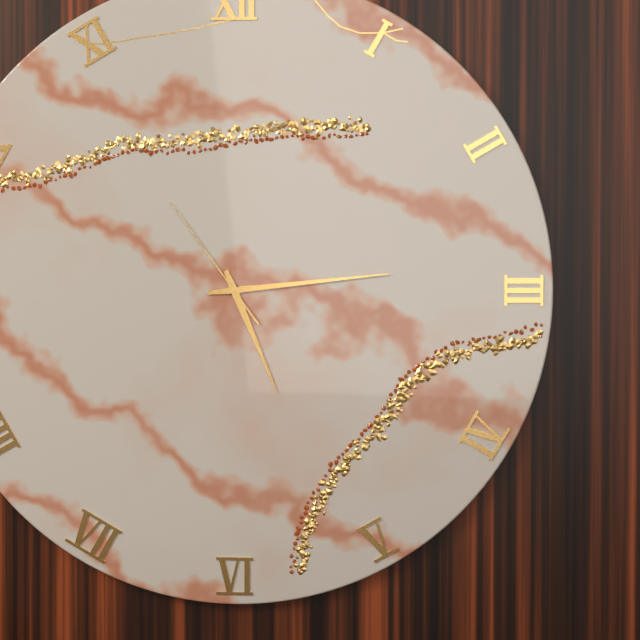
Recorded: **5:14:54**
